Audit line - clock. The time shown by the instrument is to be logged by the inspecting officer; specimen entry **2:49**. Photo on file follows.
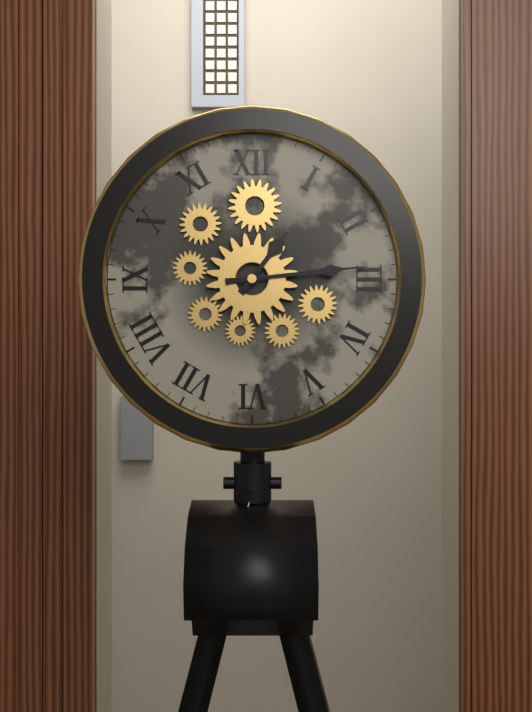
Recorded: **1:14**
